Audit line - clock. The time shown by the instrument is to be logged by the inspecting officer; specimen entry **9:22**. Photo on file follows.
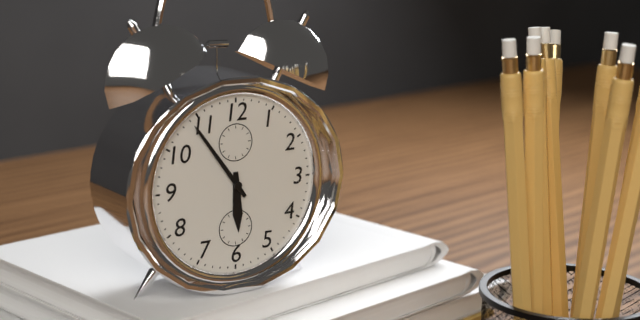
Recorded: **5:54**
